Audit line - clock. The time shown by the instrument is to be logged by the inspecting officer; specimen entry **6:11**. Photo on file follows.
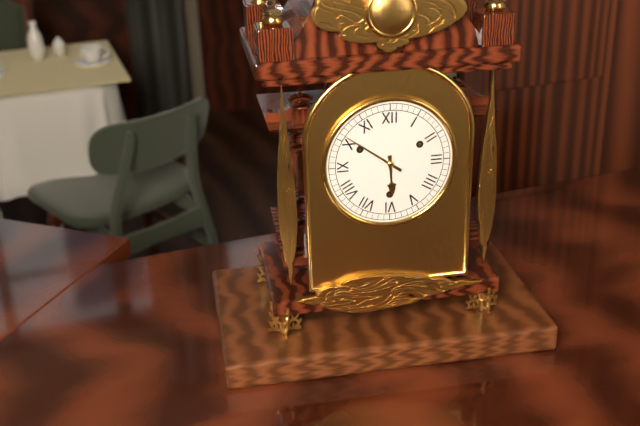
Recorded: **5:51**
